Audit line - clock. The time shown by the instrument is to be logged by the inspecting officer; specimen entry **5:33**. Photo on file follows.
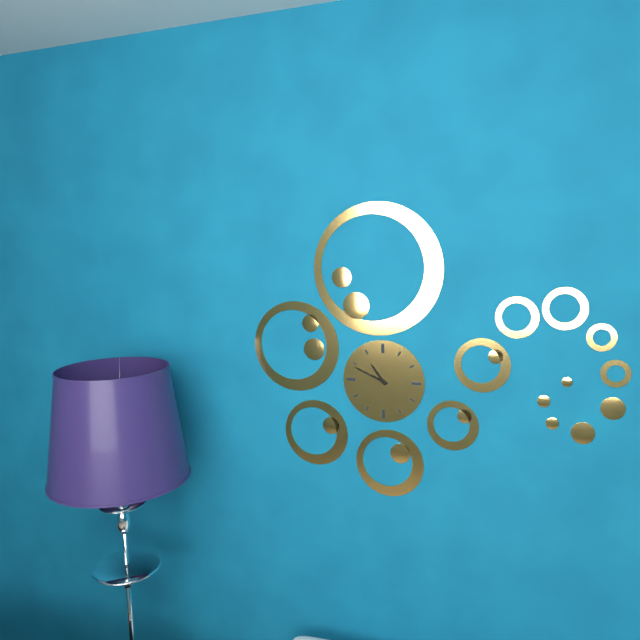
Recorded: **10:49**
